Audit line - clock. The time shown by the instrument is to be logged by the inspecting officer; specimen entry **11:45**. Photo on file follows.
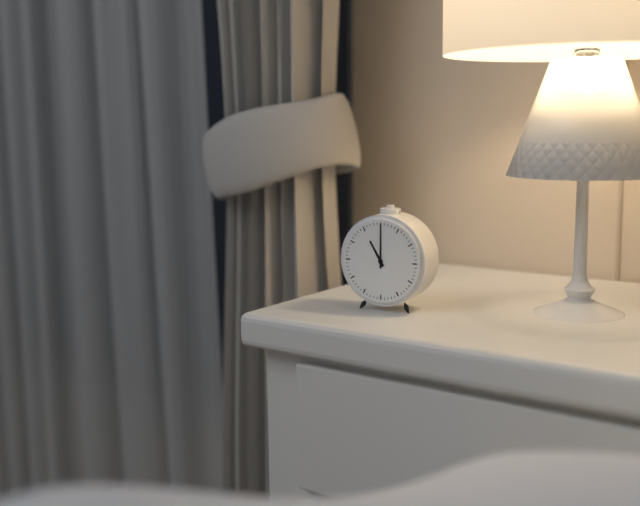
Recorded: **11:00**
